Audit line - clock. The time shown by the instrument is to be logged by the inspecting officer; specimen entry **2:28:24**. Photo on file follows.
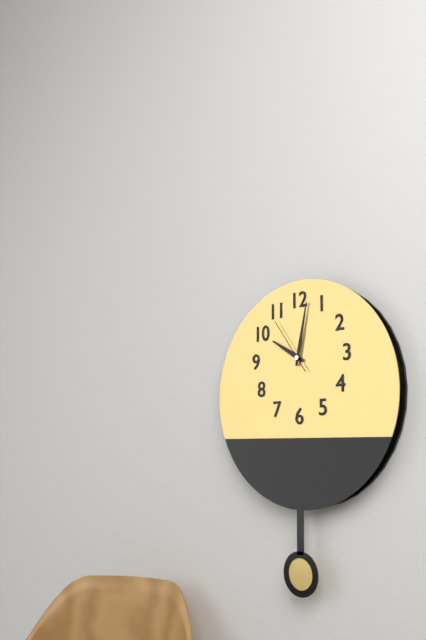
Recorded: **10:02:54**
